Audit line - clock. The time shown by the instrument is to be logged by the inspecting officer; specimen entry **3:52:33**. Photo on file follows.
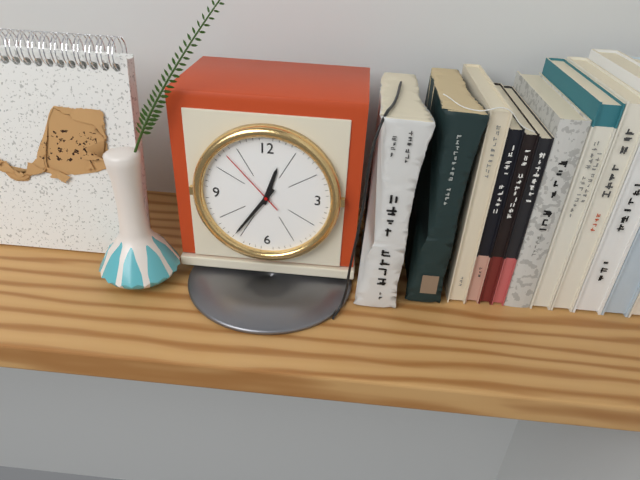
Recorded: **12:36:53**
